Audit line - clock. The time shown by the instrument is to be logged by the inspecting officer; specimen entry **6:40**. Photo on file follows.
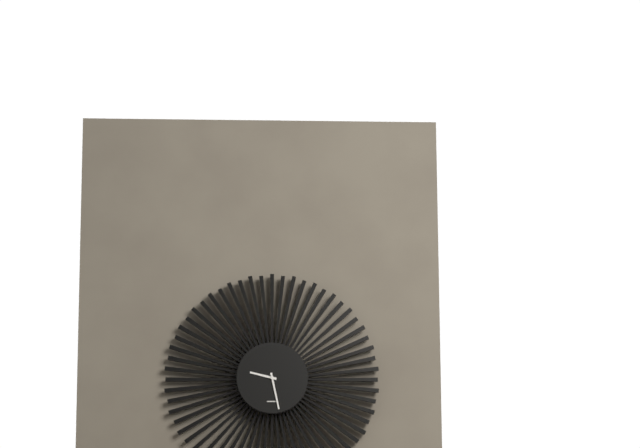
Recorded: **9:28**
